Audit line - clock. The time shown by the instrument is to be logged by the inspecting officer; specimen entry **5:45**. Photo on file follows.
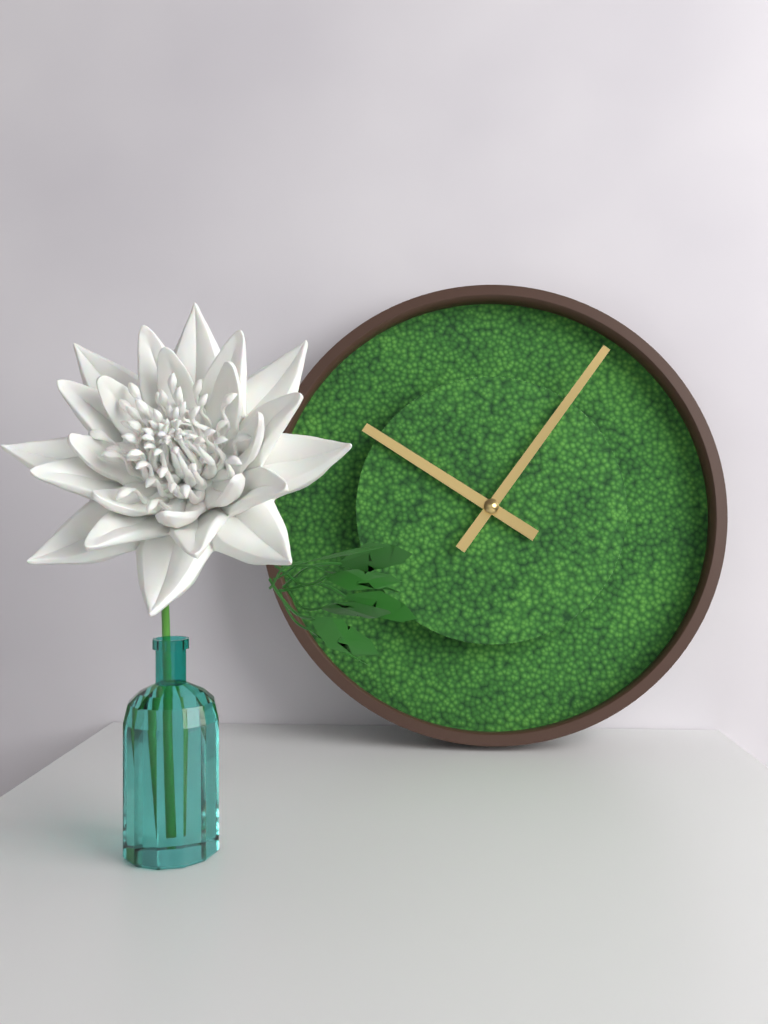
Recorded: **10:06**
